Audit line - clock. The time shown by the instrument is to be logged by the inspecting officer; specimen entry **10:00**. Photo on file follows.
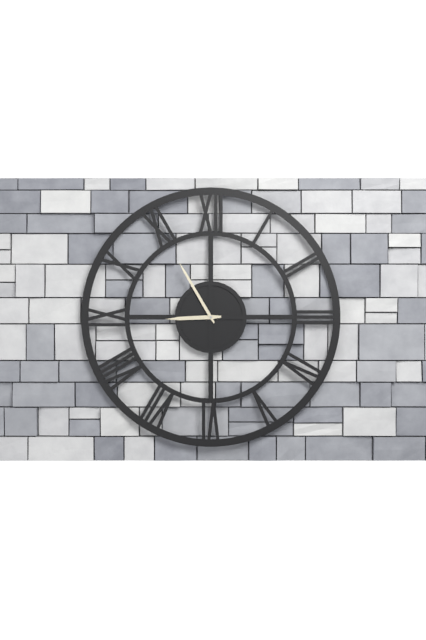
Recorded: **8:55**
